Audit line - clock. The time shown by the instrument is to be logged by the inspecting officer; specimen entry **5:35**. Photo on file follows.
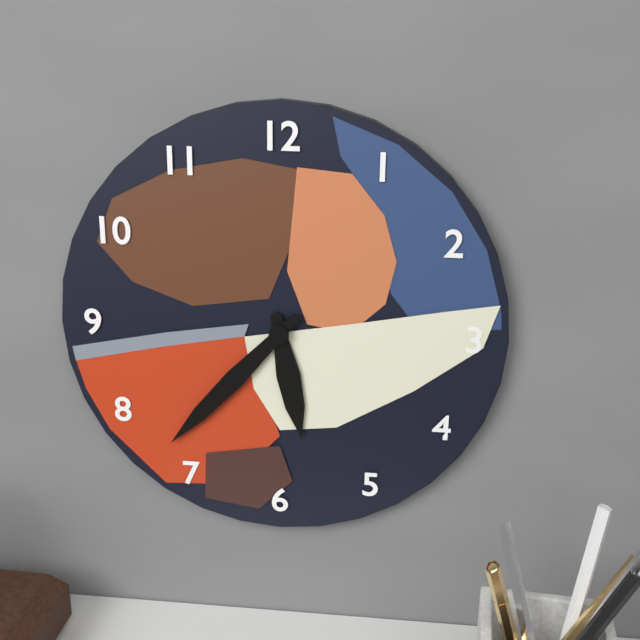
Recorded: **5:37**
